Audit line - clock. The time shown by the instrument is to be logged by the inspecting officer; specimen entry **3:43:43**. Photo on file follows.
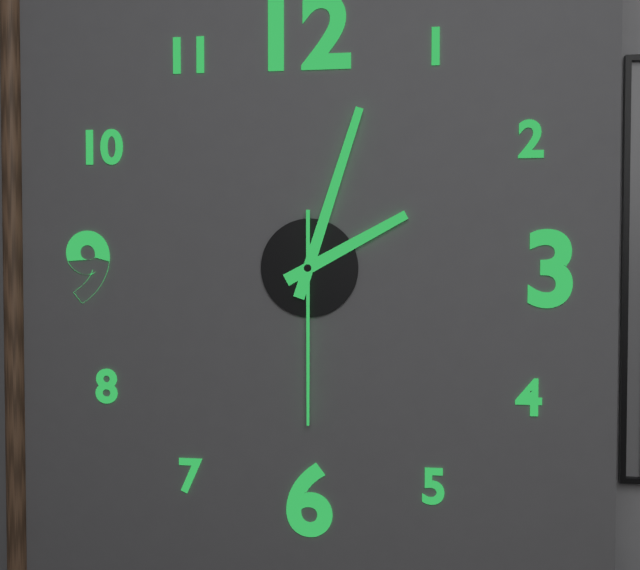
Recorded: **2:03:30**
